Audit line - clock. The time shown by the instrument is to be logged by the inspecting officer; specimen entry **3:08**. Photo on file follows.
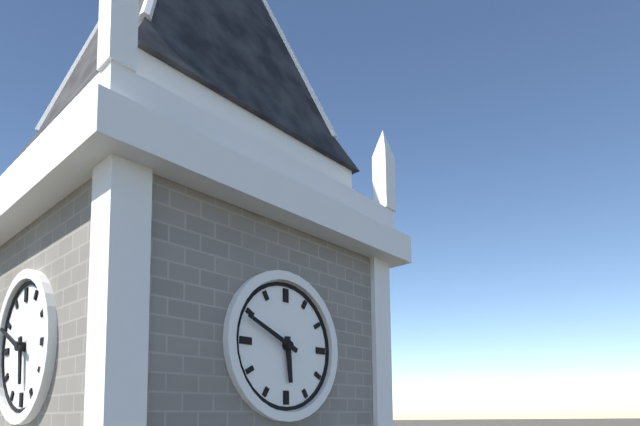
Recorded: **5:49**
